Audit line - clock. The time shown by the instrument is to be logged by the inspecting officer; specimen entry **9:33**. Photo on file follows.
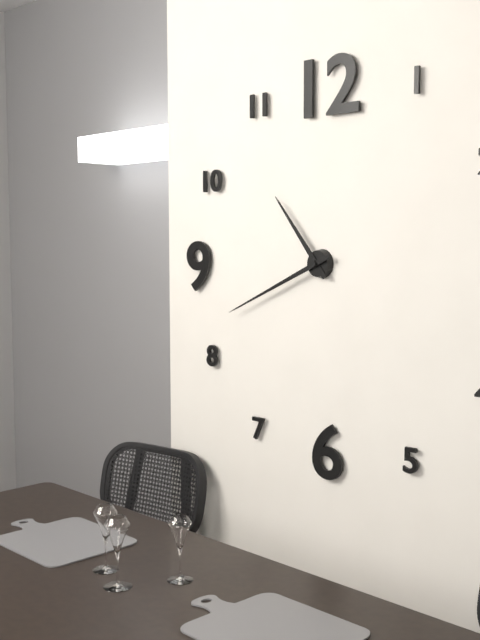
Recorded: **10:41**
